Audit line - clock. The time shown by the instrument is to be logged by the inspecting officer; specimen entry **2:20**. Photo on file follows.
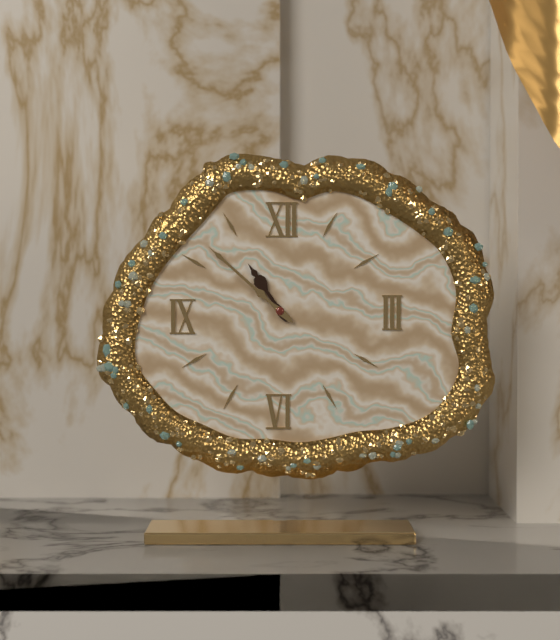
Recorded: **10:52**
